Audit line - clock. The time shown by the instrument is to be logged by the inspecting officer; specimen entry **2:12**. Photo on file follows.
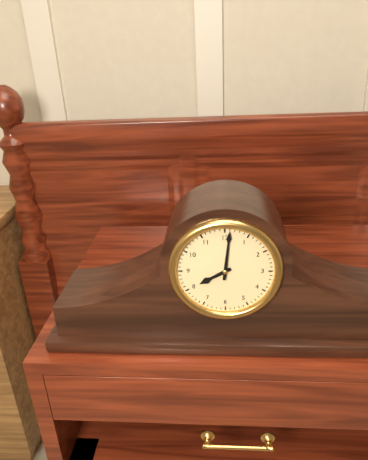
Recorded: **8:01**
